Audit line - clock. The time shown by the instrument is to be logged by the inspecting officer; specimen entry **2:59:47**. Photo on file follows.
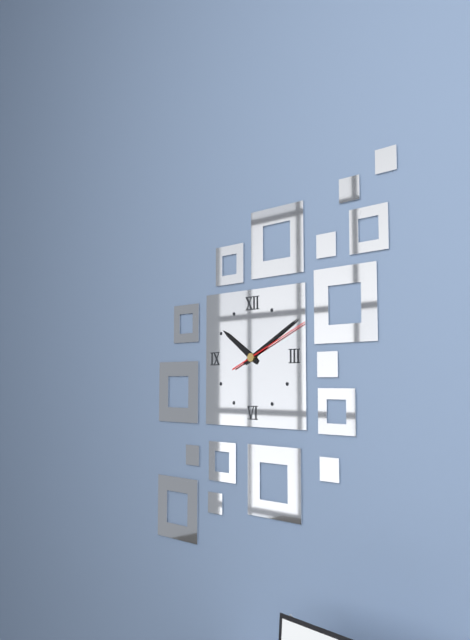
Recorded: **10:10:11**
